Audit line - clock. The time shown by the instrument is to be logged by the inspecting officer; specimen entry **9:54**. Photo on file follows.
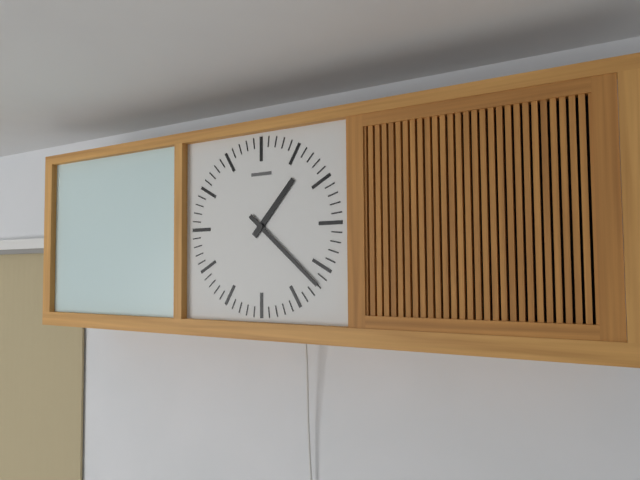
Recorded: **1:22**
